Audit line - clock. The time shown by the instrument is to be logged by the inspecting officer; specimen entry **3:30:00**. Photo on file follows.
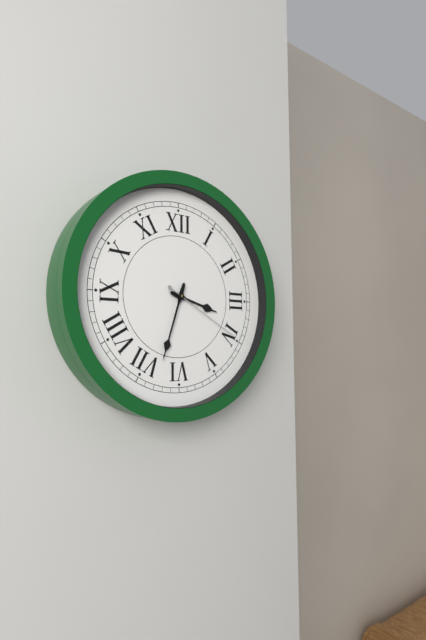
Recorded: **3:33:20**
